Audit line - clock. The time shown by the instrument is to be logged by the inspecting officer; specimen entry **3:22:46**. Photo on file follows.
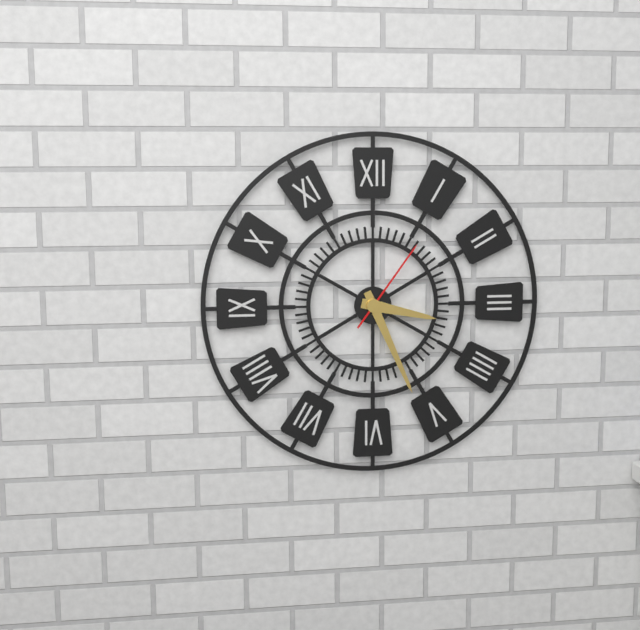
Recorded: **3:26:06**
